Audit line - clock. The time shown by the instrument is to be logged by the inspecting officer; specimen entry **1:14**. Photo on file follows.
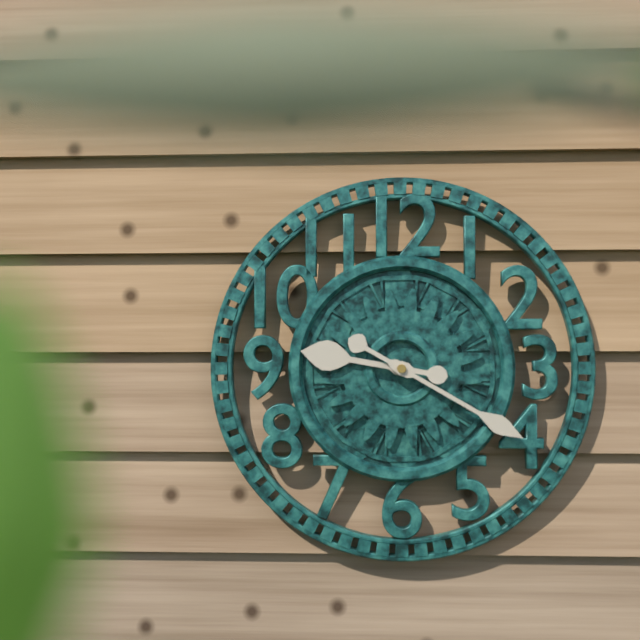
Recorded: **9:20**
